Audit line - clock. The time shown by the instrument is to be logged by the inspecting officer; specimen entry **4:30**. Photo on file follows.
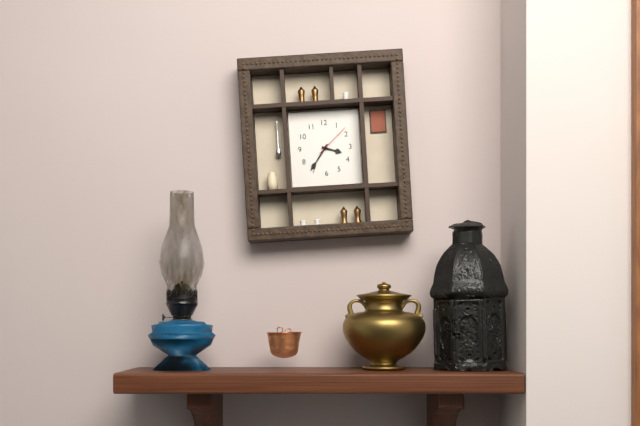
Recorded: **3:36**
